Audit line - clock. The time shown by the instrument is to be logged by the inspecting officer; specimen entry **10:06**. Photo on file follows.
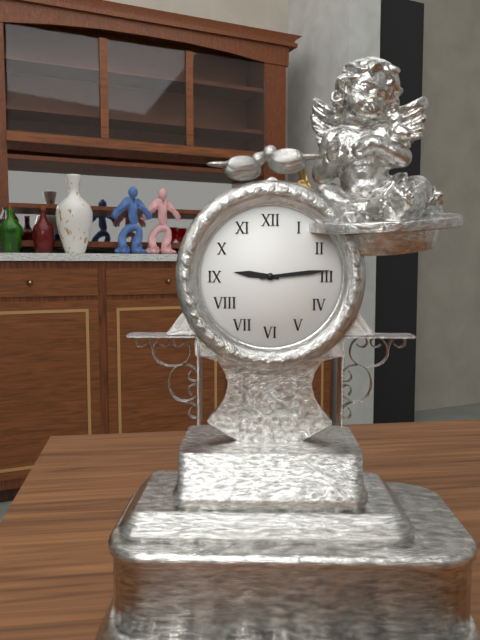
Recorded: **9:14**
